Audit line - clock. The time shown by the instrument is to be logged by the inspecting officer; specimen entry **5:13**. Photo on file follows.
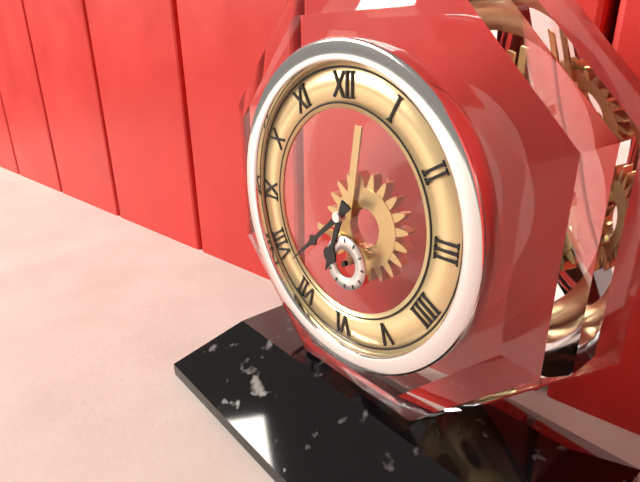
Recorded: **6:38**
